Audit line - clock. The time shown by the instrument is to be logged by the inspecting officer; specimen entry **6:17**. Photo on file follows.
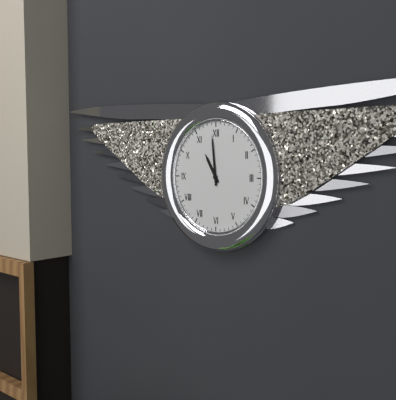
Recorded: **10:59**
